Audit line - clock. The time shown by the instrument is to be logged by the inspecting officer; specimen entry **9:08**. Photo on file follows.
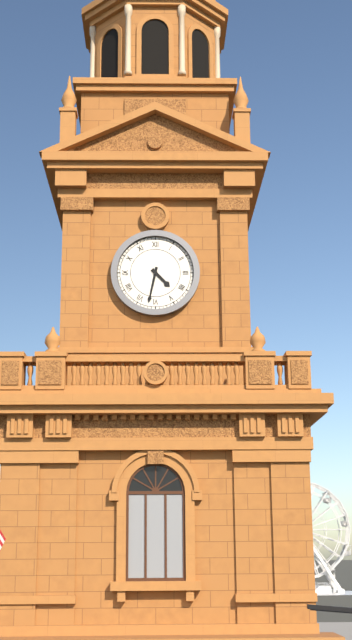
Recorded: **4:32**
